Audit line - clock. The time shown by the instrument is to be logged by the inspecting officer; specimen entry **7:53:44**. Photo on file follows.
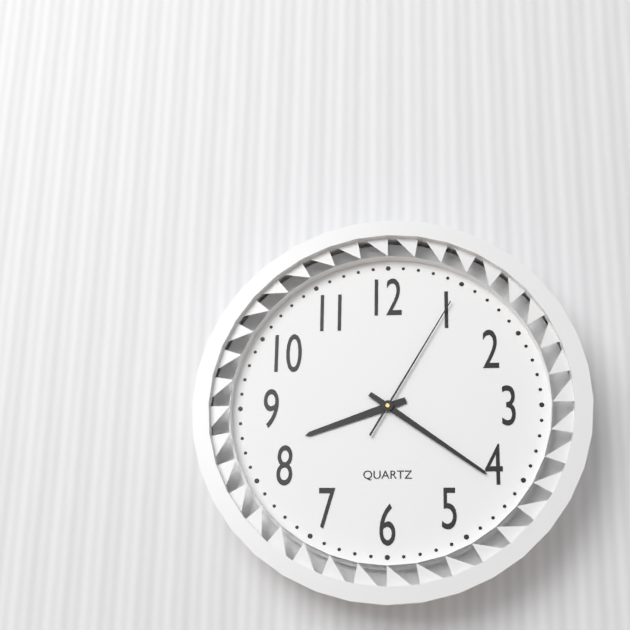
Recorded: **8:21:05**
